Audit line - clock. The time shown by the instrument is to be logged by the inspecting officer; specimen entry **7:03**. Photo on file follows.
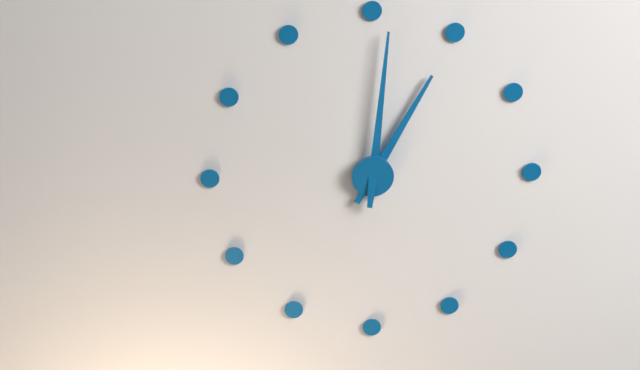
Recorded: **1:01**
